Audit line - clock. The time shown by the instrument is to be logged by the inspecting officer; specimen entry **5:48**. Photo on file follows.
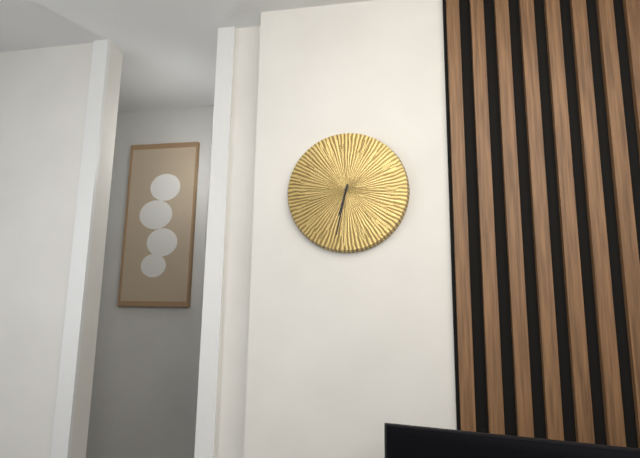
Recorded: **6:32**
